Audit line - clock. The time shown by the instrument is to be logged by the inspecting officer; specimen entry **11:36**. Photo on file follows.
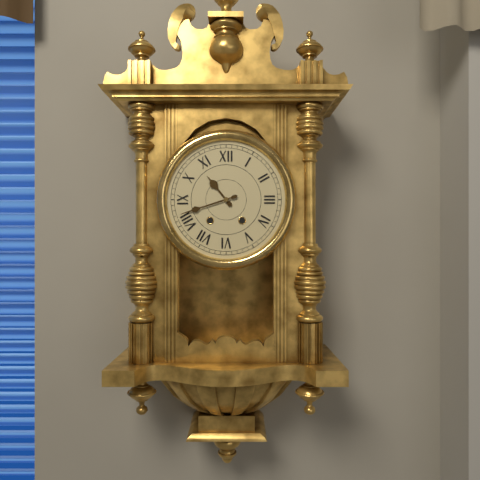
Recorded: **10:42**
